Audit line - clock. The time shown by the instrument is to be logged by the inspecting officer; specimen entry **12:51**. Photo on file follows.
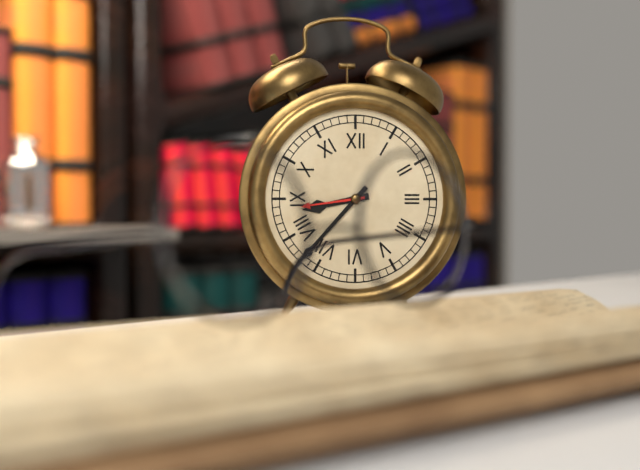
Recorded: **8:37**
